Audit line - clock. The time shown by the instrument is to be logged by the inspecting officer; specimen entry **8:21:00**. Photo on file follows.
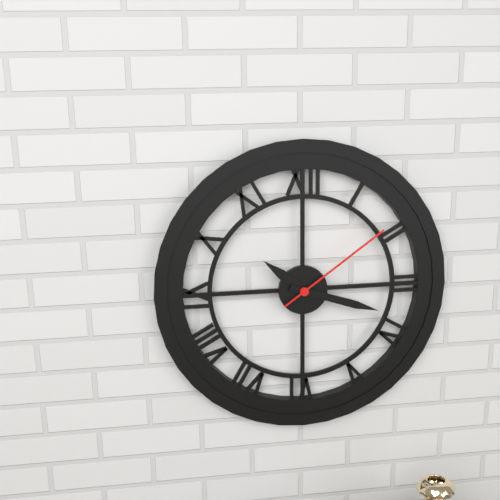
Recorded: **10:18:09**
